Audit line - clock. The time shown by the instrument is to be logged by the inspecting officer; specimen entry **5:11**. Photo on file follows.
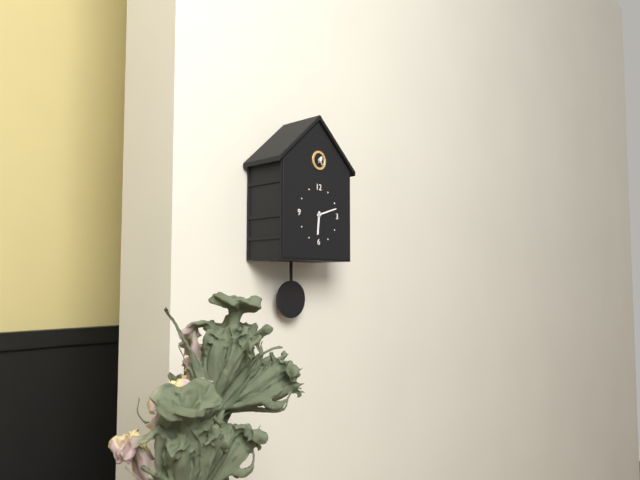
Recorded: **6:12**
